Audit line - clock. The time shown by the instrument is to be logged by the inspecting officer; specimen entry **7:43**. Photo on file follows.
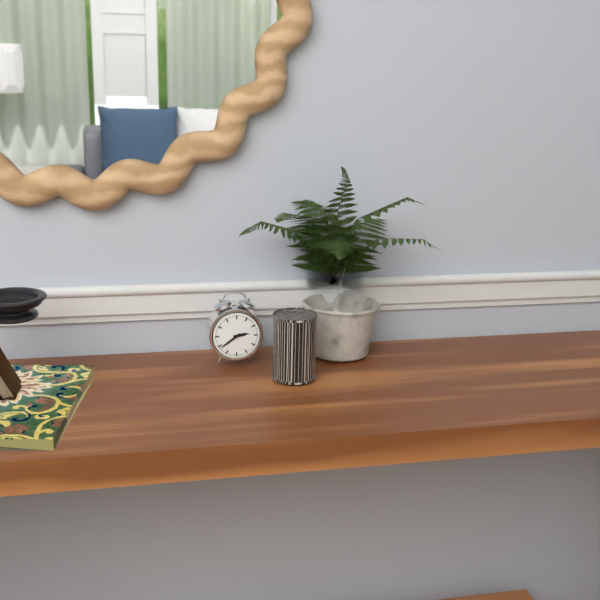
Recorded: **2:39**
